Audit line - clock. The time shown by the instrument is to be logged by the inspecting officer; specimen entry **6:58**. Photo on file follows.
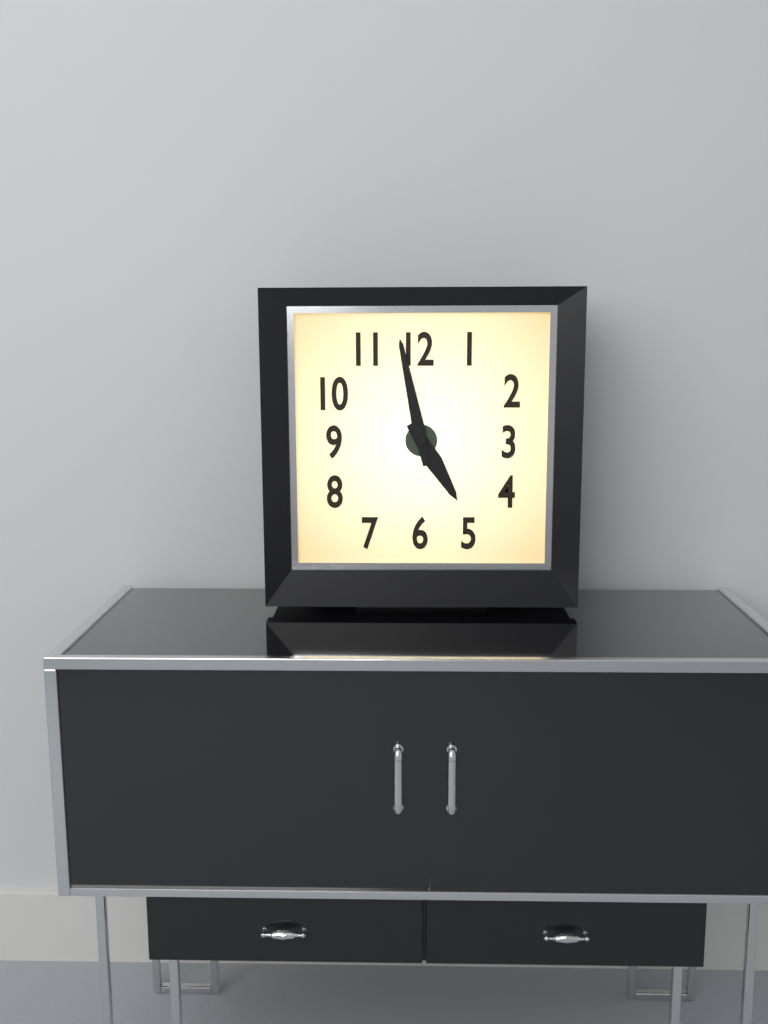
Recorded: **4:58**
